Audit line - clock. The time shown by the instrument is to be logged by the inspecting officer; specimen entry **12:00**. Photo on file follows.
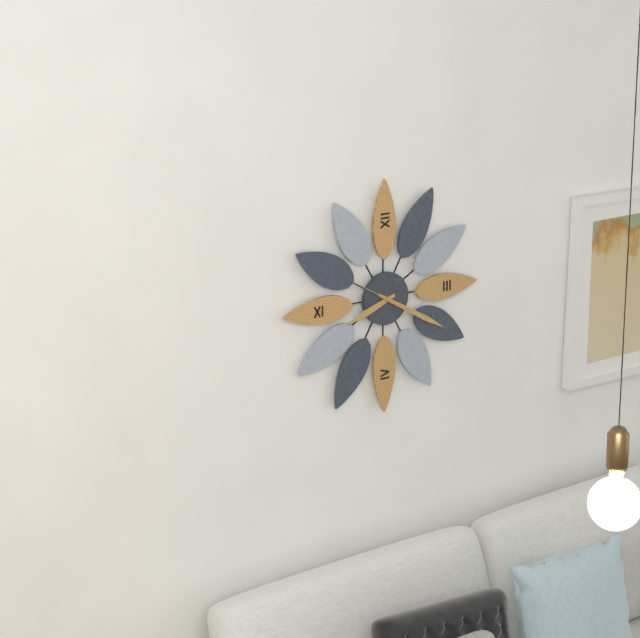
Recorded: **8:20**
